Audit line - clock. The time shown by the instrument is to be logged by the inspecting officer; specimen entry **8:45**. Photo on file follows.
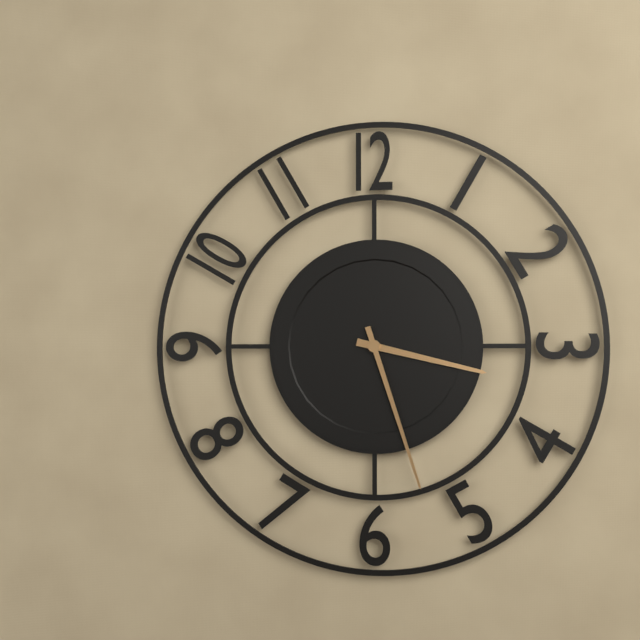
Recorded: **3:27**
